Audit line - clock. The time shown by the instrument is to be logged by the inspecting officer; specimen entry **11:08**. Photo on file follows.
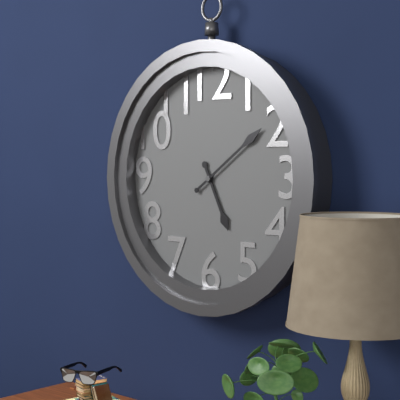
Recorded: **5:09**
